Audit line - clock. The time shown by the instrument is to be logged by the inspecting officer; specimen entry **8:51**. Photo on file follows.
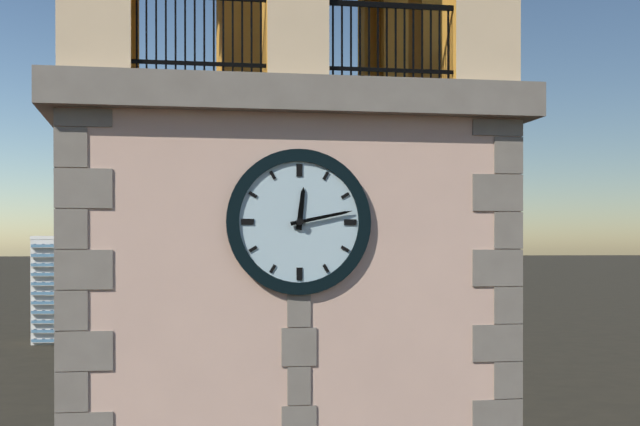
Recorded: **12:13**
